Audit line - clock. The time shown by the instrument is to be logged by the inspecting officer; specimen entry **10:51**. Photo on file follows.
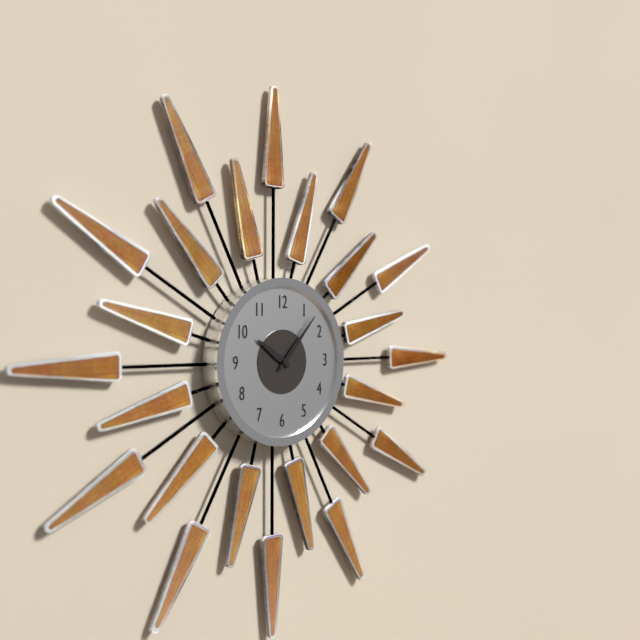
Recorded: **10:07**
